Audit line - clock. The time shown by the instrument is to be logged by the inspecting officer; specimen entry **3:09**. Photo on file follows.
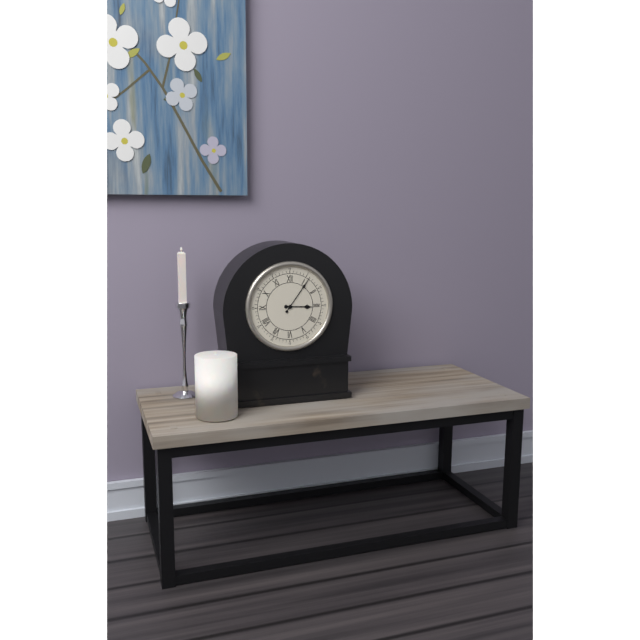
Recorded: **3:06**
